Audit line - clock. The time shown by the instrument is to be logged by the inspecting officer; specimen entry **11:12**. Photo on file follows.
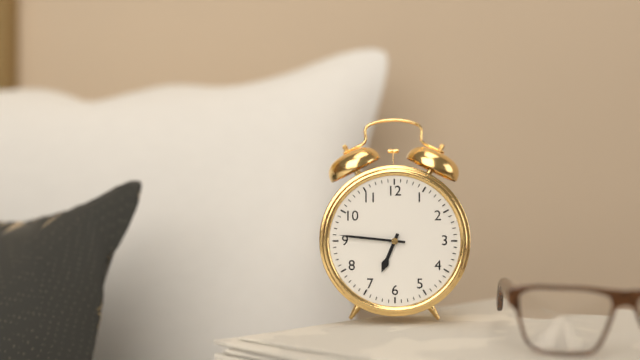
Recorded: **6:46**
